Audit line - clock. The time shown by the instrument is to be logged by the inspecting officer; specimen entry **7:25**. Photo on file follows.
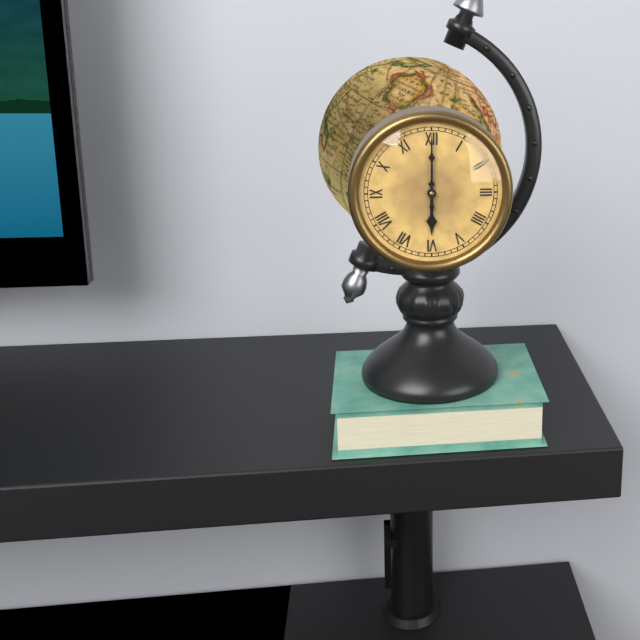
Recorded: **6:00**
